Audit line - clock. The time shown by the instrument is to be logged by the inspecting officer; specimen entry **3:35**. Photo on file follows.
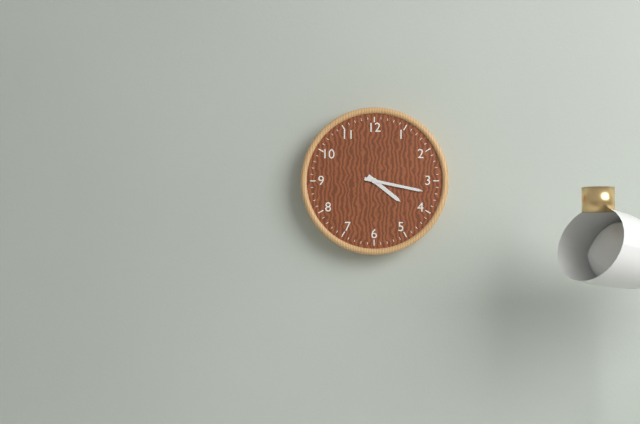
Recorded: **4:17**
